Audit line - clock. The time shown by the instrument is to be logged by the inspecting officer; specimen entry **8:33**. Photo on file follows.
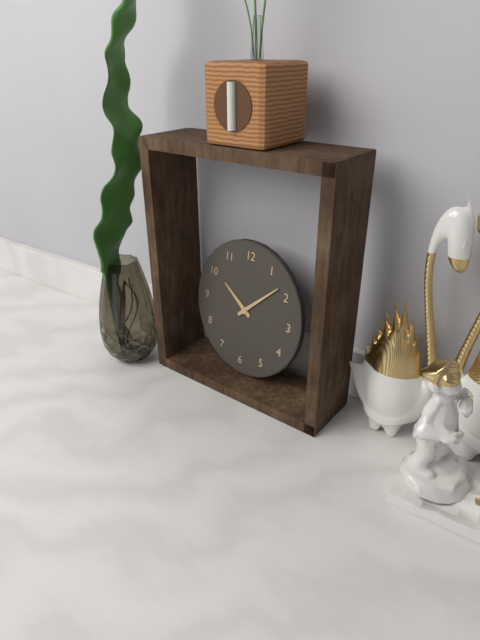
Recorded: **10:08**
